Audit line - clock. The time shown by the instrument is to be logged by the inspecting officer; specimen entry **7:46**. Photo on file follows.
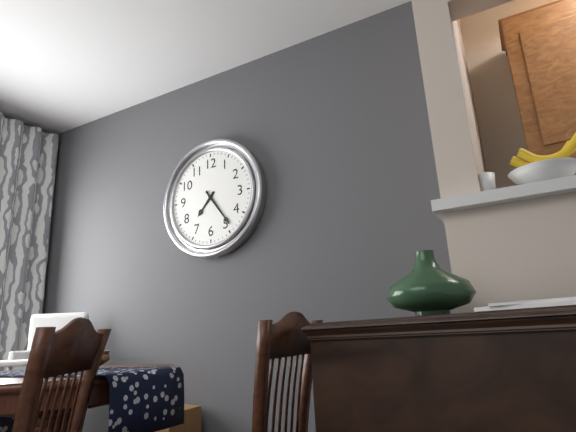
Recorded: **7:24**
